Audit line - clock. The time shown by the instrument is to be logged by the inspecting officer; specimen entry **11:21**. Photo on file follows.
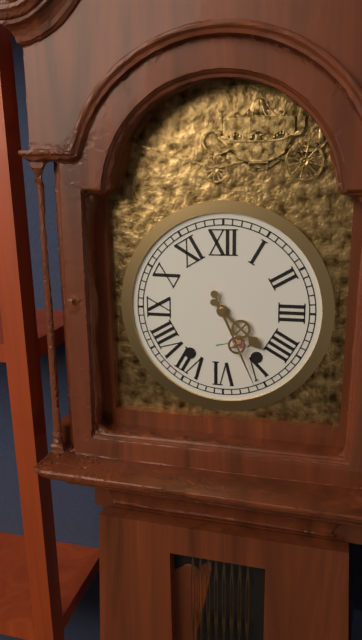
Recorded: **4:26**
